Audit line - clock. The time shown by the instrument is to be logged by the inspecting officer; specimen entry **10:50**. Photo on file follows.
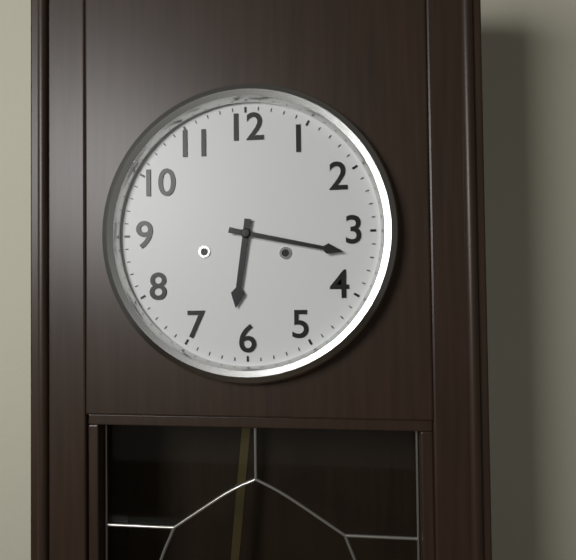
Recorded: **6:17**
